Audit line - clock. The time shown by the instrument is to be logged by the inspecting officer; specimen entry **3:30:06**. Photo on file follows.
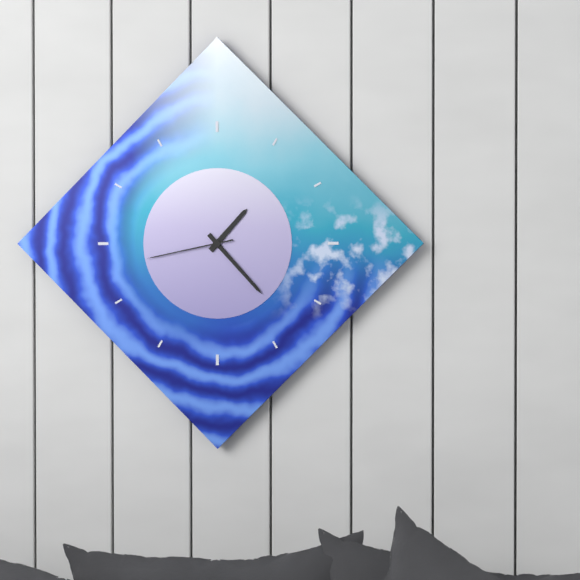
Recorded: **1:23:43**
